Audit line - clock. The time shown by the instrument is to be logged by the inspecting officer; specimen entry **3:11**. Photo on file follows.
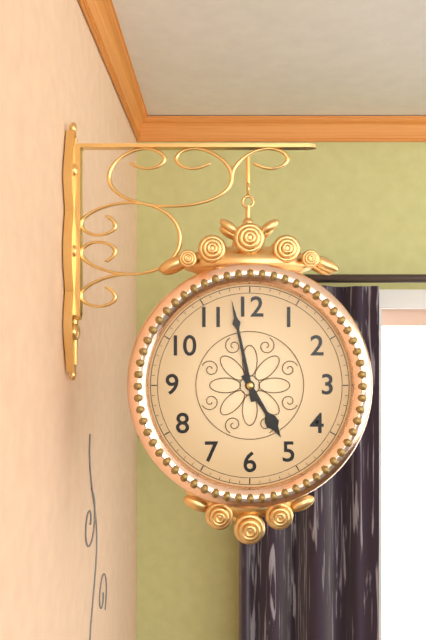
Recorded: **4:58**
